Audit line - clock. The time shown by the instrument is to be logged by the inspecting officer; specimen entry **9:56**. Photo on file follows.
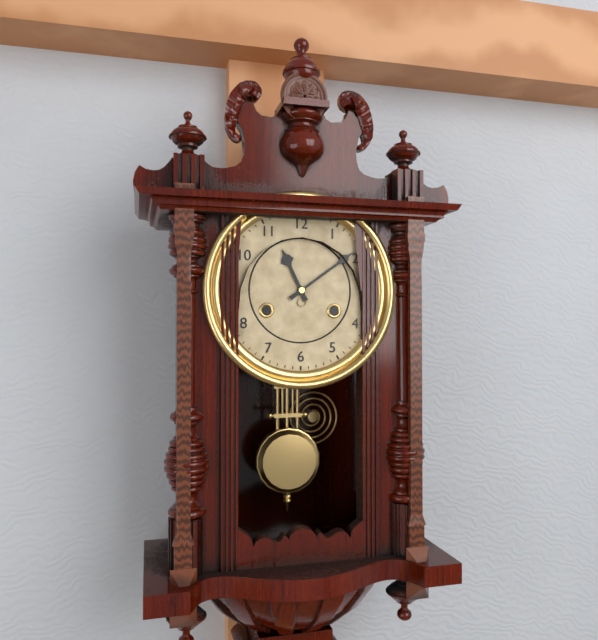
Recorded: **11:09**
